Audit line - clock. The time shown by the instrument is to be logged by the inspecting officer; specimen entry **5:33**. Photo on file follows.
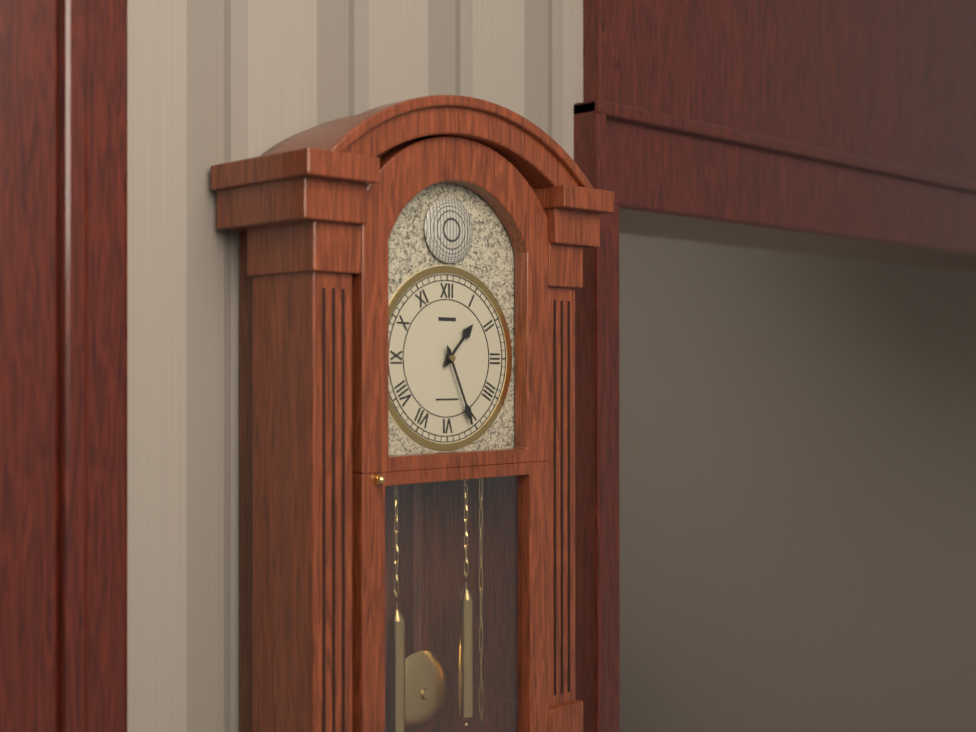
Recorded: **1:26**
